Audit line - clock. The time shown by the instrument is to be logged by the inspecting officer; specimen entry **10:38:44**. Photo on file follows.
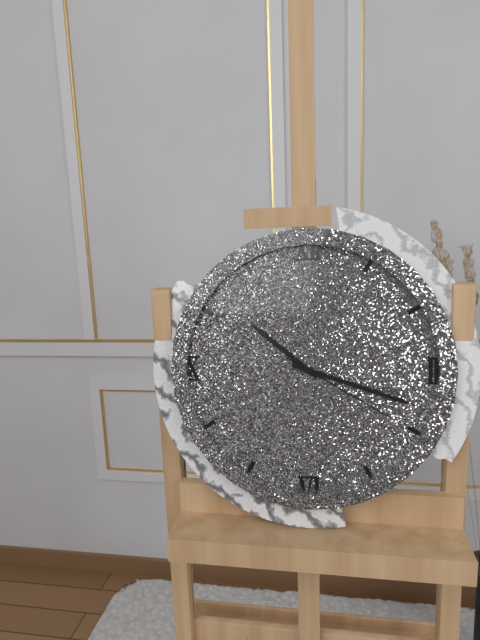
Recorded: **10:18:20**
